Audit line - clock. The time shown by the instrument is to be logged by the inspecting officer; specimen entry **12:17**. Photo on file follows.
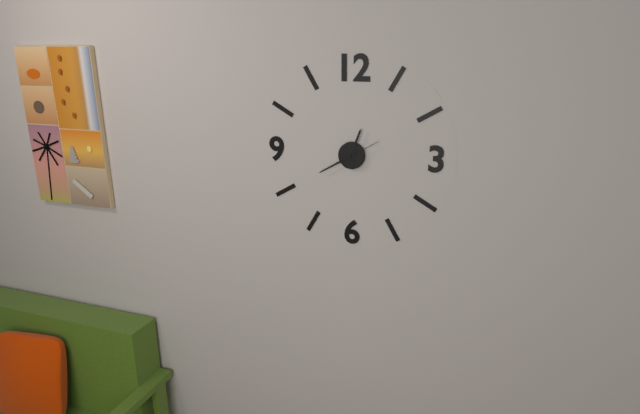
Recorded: **12:40**
